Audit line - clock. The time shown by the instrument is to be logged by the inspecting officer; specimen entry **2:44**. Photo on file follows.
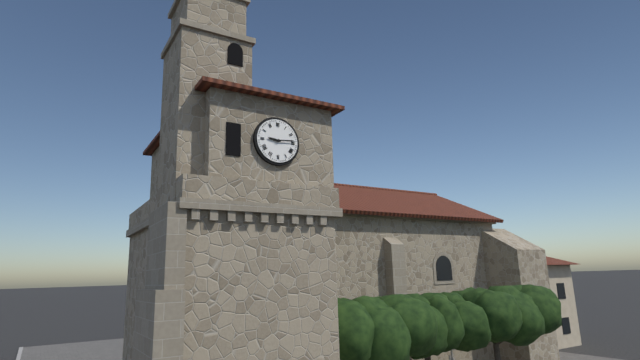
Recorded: **9:14**
